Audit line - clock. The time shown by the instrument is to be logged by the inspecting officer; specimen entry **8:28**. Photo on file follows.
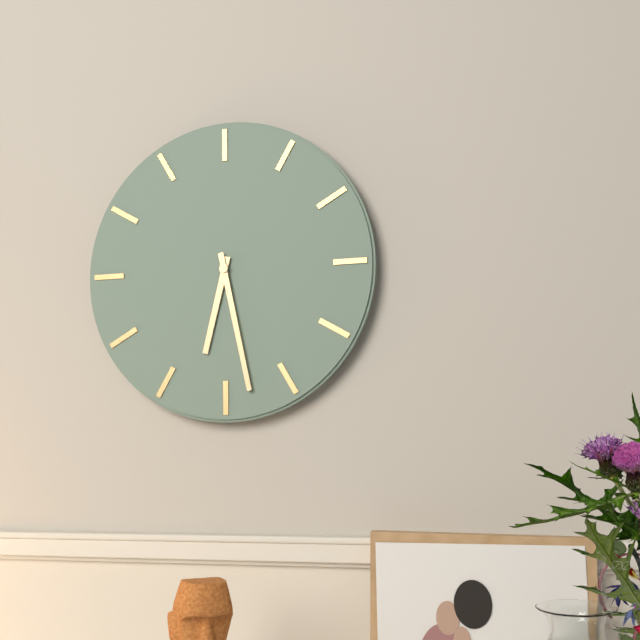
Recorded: **6:28**
